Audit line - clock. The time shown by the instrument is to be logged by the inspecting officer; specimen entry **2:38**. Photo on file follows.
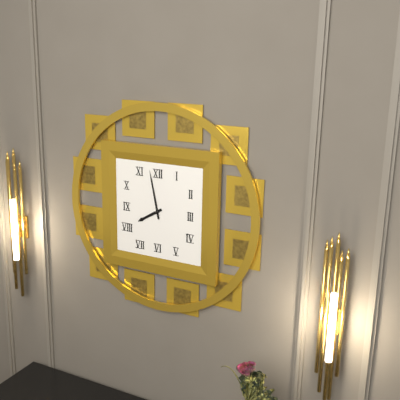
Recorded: **7:58**
